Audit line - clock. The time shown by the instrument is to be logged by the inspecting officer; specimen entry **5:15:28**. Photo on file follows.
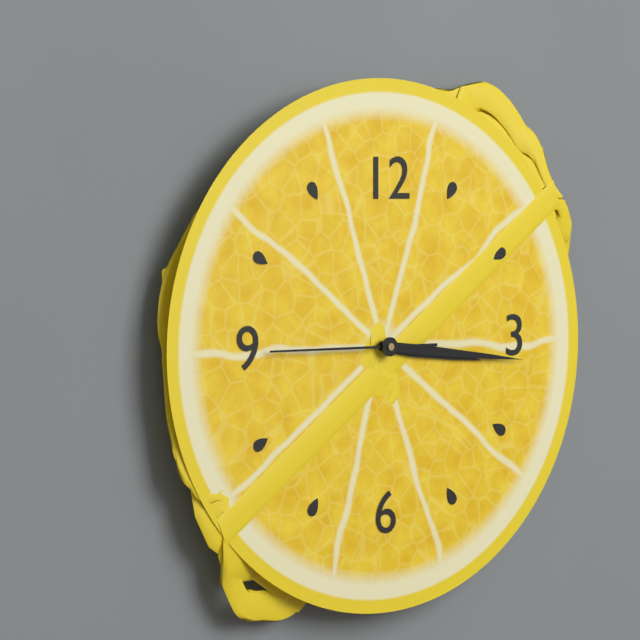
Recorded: **3:16:45**
